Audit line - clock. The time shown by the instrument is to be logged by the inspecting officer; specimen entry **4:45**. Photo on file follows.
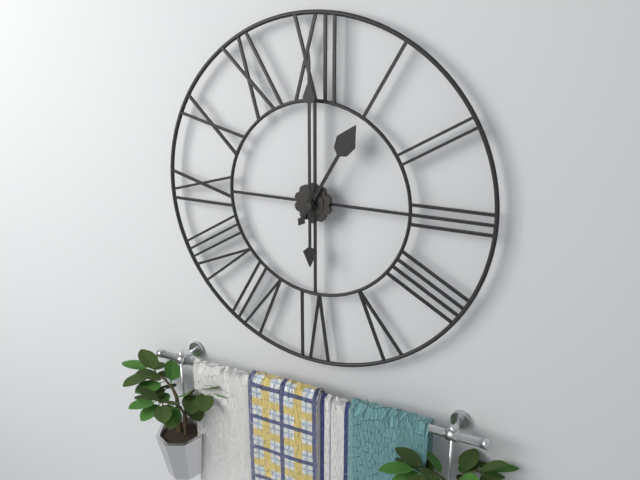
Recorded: **1:00**
